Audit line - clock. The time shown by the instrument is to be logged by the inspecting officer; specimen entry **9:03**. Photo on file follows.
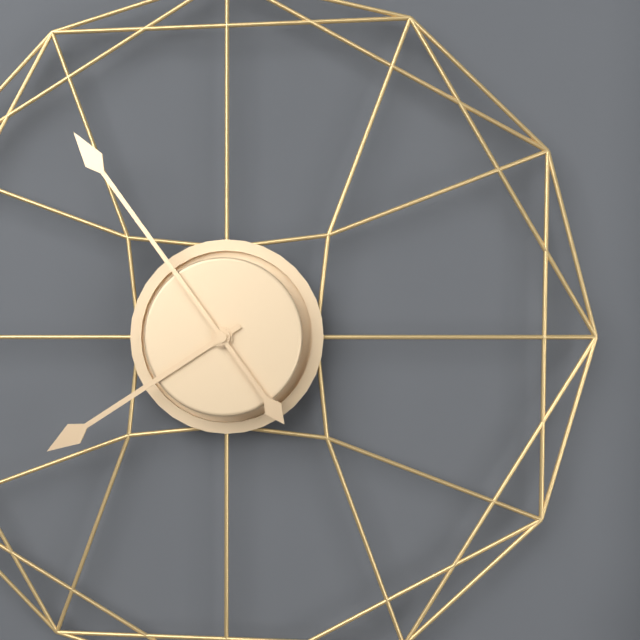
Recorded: **7:54**
